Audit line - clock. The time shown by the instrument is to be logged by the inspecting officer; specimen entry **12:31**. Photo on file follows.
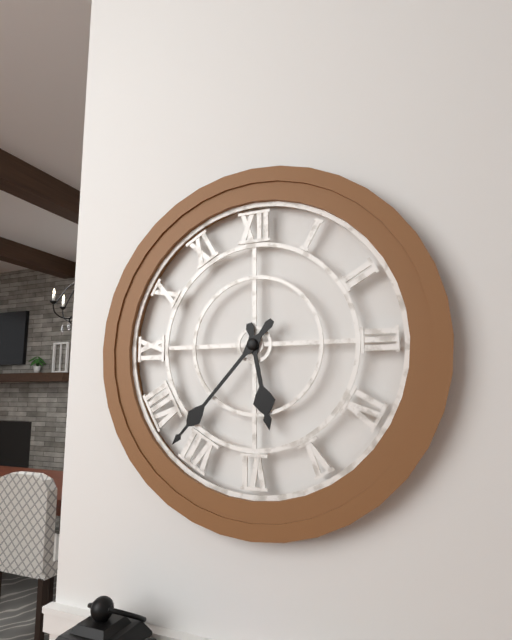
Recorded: **5:37**
